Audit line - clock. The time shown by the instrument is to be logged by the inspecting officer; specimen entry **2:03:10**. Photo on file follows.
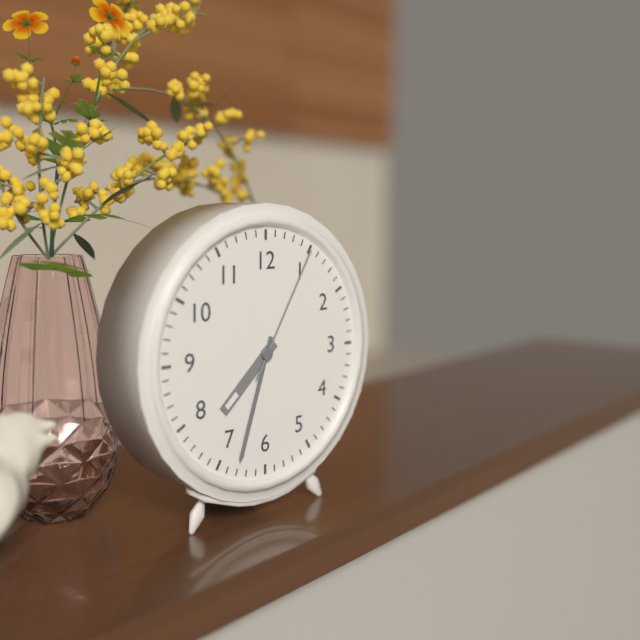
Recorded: **7:33:05**
